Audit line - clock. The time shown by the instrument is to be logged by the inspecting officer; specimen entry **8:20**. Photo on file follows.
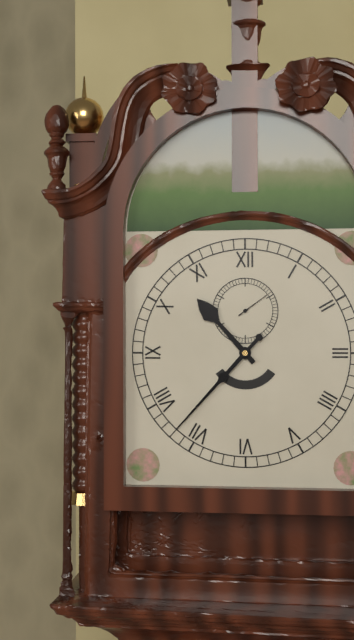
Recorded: **10:37**
